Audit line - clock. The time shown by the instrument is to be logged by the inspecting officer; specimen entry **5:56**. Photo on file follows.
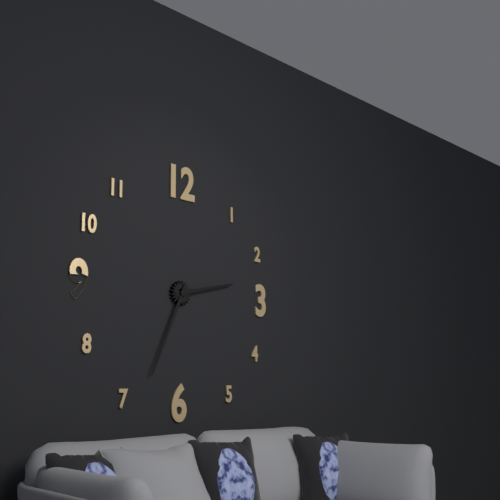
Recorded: **2:34**
